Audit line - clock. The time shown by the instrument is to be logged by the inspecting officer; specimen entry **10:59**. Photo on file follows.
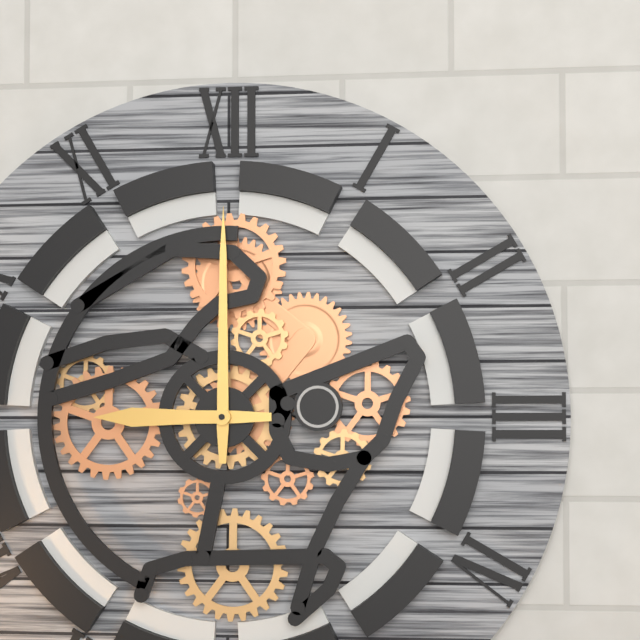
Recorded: **9:00**
